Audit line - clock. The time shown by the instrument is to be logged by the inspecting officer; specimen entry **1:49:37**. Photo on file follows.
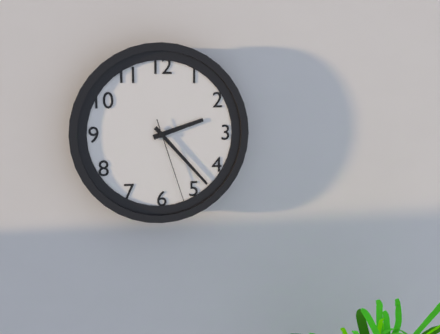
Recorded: **2:23:27**
